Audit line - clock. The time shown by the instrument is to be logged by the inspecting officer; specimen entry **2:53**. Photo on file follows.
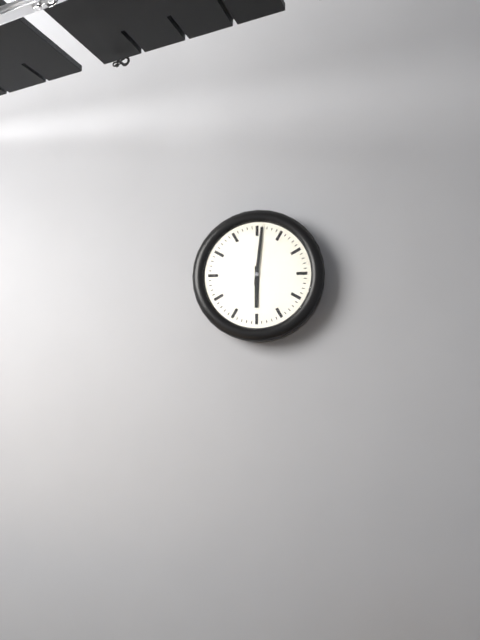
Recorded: **6:01**
